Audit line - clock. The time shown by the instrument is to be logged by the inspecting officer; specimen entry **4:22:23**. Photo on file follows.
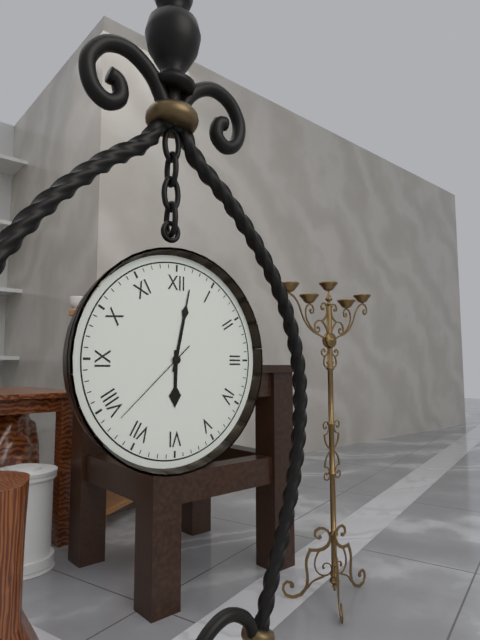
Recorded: **6:02:38**
